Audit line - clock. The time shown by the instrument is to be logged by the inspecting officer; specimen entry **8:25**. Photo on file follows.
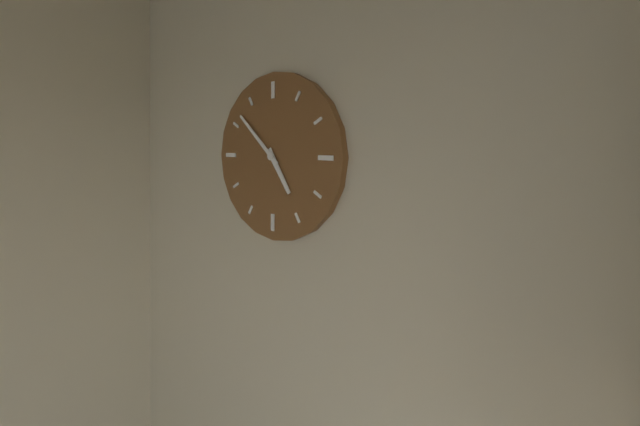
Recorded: **4:52**
